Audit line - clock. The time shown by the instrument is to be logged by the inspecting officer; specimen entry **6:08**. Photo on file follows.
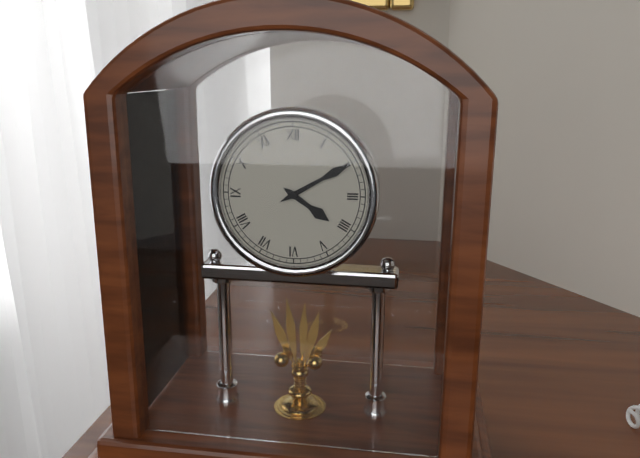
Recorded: **4:10**
